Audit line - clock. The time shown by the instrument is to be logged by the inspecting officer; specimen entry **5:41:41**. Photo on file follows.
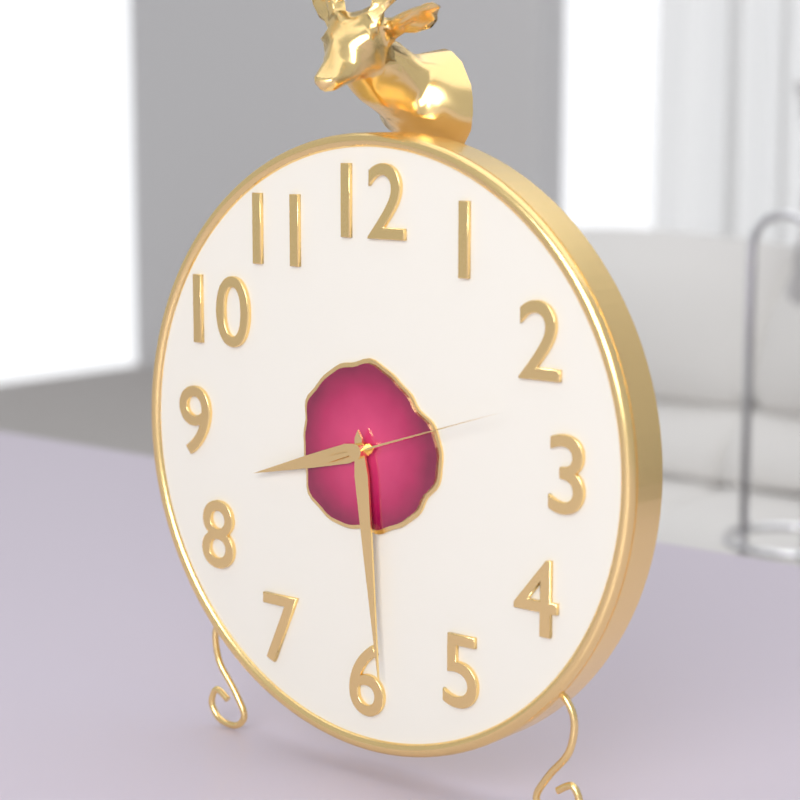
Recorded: **8:29:12**
